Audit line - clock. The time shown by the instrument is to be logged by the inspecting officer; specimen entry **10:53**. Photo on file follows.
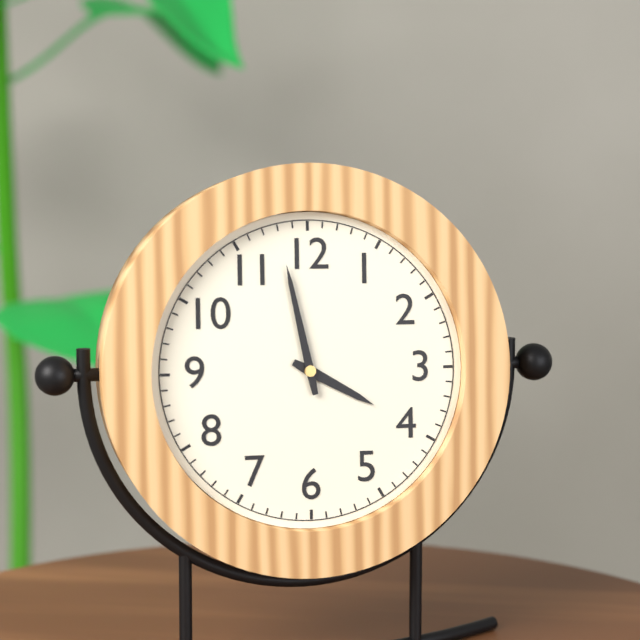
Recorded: **3:58**
